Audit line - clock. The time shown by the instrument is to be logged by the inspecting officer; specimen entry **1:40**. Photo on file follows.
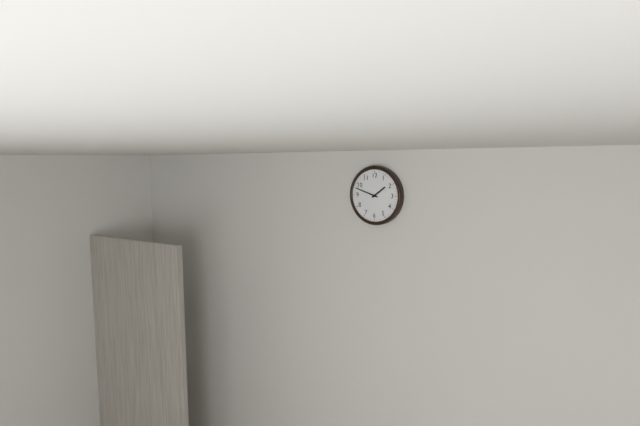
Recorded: **1:48**
